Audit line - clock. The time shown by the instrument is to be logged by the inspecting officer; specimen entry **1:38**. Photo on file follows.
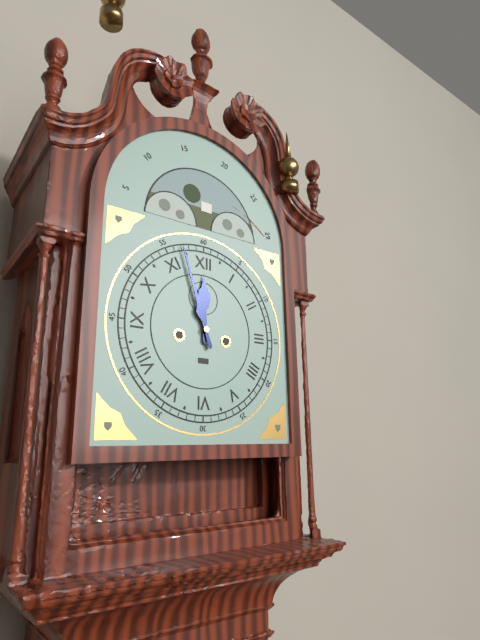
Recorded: **11:57**
